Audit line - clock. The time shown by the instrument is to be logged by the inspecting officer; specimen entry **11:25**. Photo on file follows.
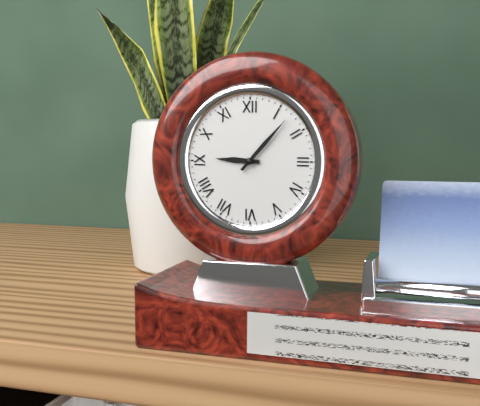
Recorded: **9:07**
